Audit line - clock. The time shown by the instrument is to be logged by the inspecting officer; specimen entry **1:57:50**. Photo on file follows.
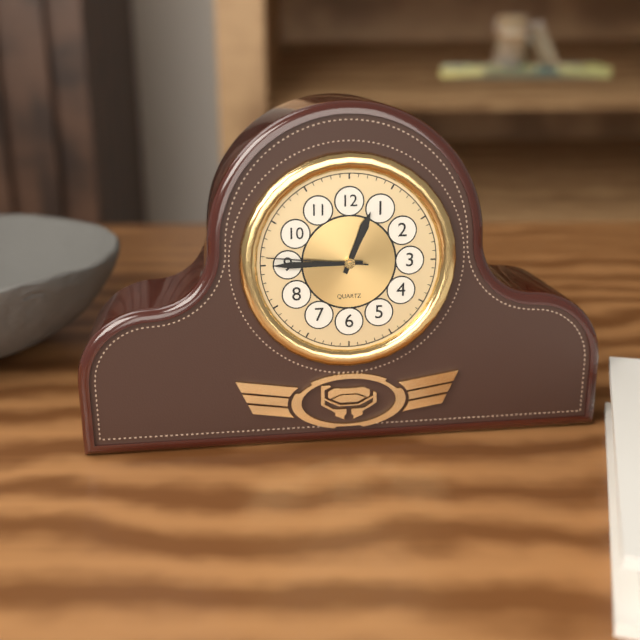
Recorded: **12:45:46**
